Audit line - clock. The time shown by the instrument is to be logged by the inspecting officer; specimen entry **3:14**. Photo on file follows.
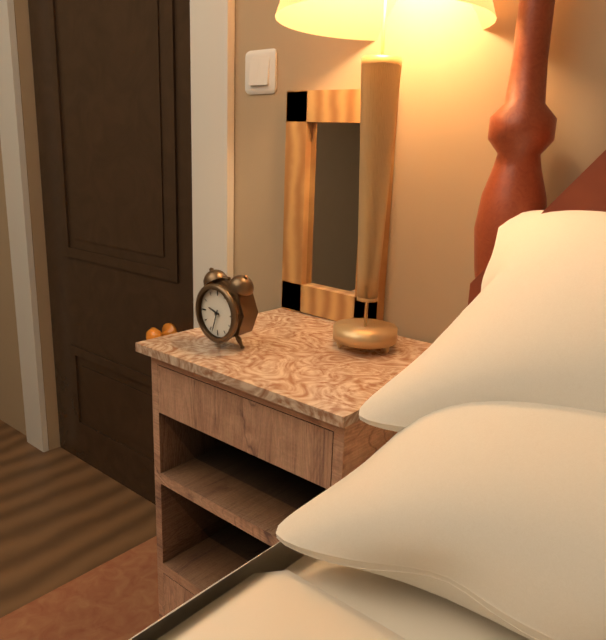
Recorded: **9:33**
